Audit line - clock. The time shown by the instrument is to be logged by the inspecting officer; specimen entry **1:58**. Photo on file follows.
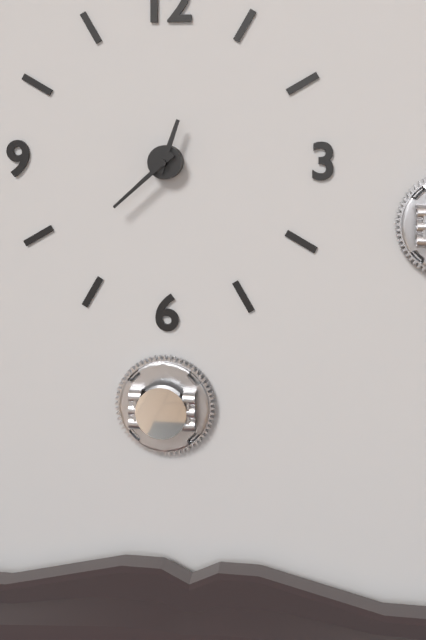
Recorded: **12:38**
